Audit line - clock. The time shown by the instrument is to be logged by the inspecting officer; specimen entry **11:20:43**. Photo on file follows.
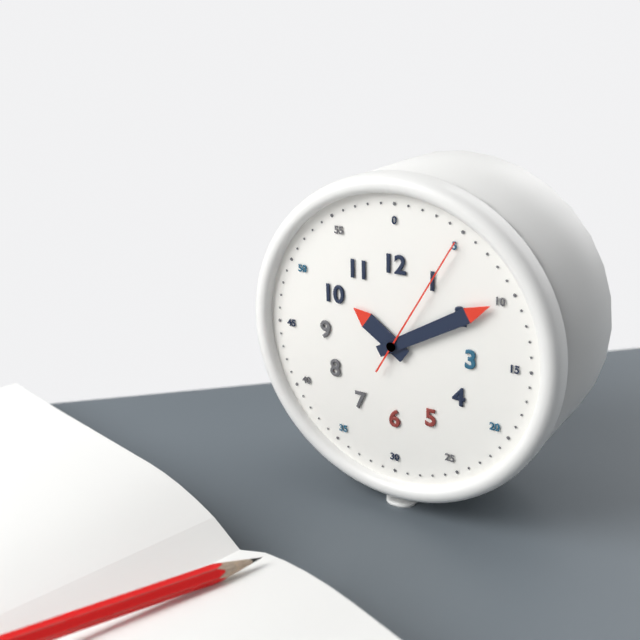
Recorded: **10:10:05**
